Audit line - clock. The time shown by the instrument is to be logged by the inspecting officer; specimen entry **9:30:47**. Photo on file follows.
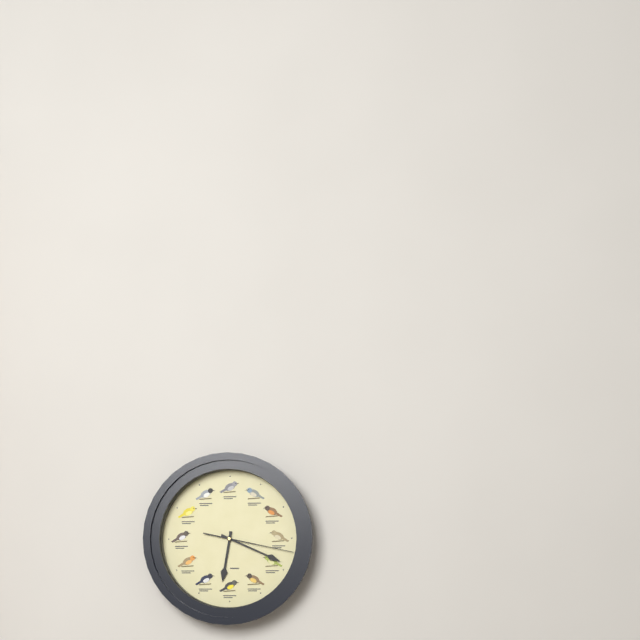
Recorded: **6:19:17**
